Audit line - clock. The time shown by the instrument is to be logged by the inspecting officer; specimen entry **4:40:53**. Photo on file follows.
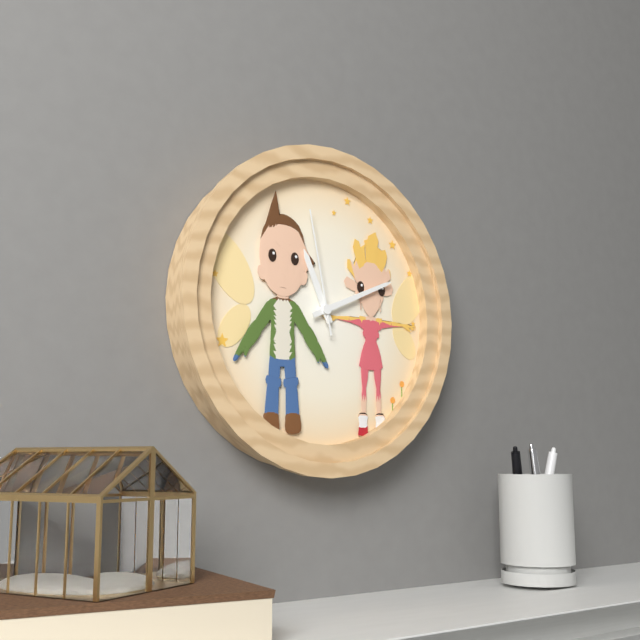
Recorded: **11:11:58**
